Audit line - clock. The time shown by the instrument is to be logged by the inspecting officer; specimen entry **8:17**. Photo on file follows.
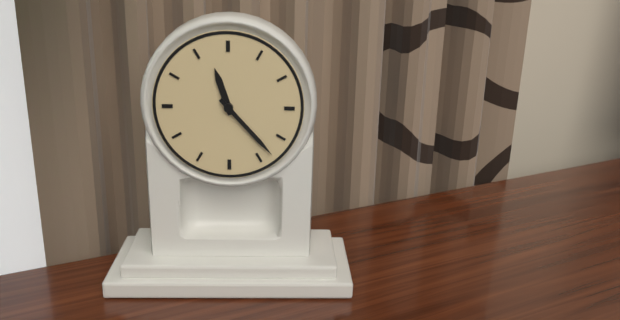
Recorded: **11:23**
